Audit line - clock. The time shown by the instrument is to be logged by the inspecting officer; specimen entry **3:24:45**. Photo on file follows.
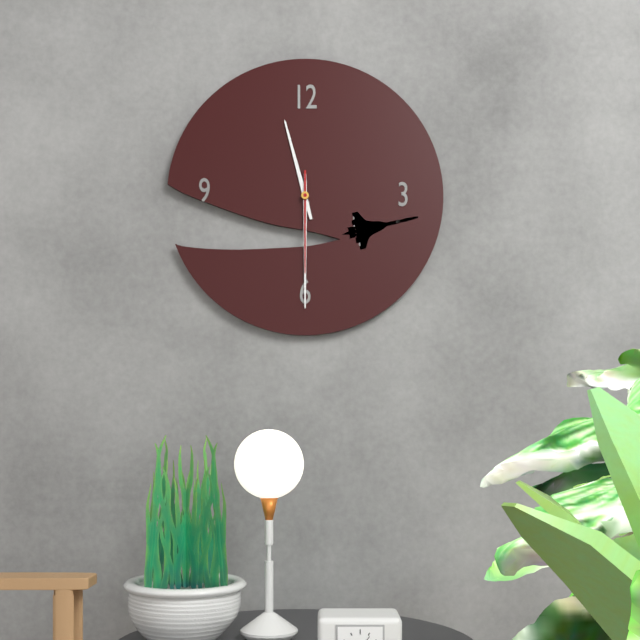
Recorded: **11:30:30**
